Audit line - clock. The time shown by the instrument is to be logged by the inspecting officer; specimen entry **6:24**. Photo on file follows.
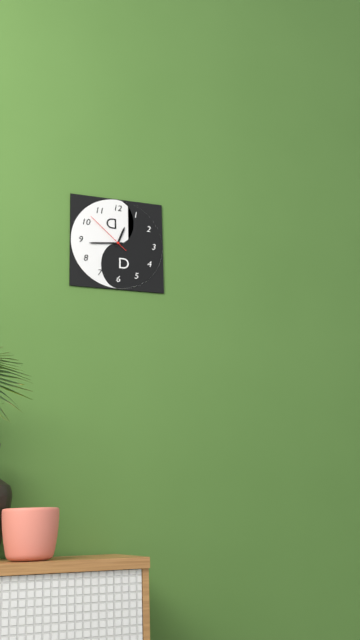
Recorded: **12:44**
